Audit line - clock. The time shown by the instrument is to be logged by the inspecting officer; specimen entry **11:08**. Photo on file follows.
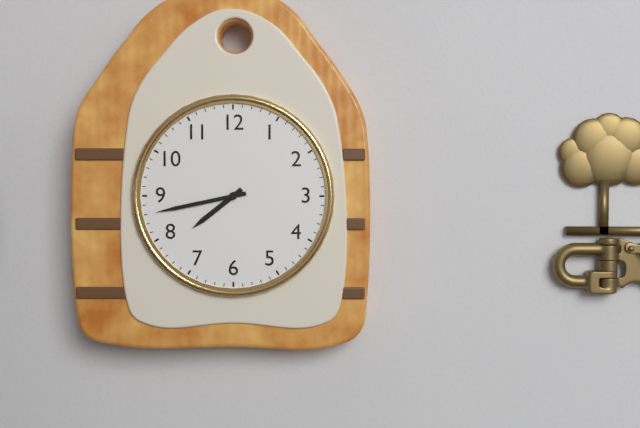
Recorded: **7:43**
